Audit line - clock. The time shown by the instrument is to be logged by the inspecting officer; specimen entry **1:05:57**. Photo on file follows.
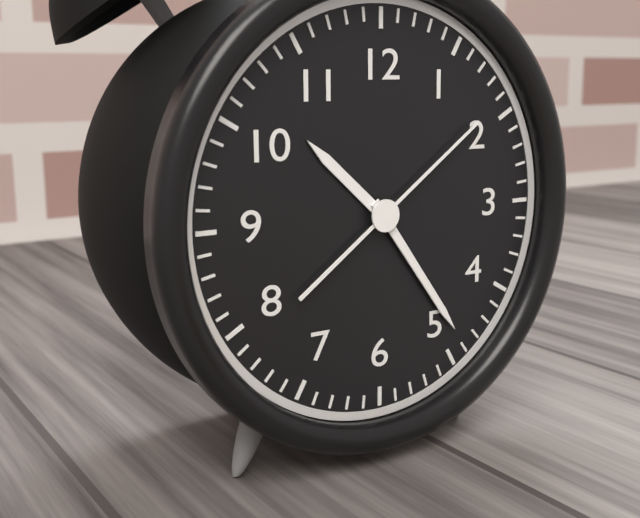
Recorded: **10:24:09**
